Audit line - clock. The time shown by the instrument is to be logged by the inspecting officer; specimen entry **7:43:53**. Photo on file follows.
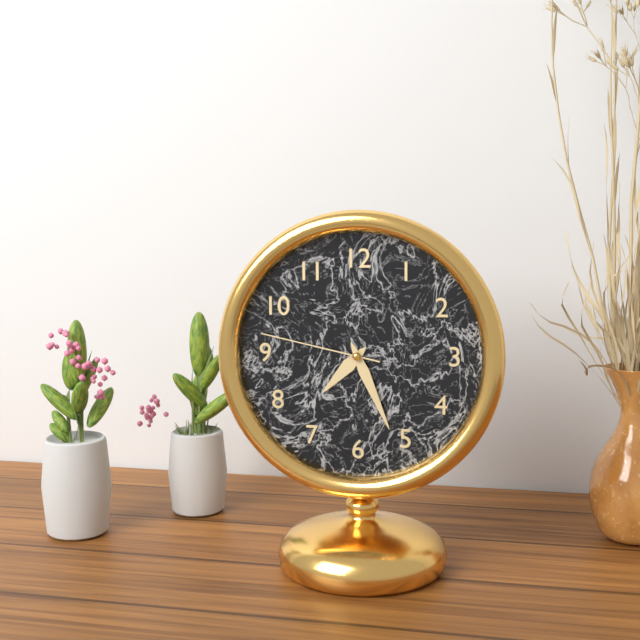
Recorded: **7:26:47**
